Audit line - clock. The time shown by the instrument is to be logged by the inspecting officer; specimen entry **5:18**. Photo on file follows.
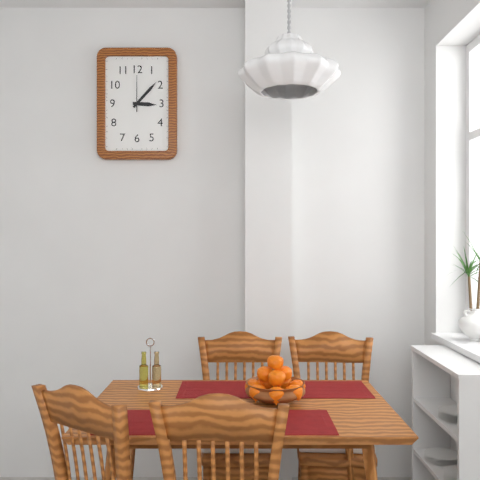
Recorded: **3:07**
